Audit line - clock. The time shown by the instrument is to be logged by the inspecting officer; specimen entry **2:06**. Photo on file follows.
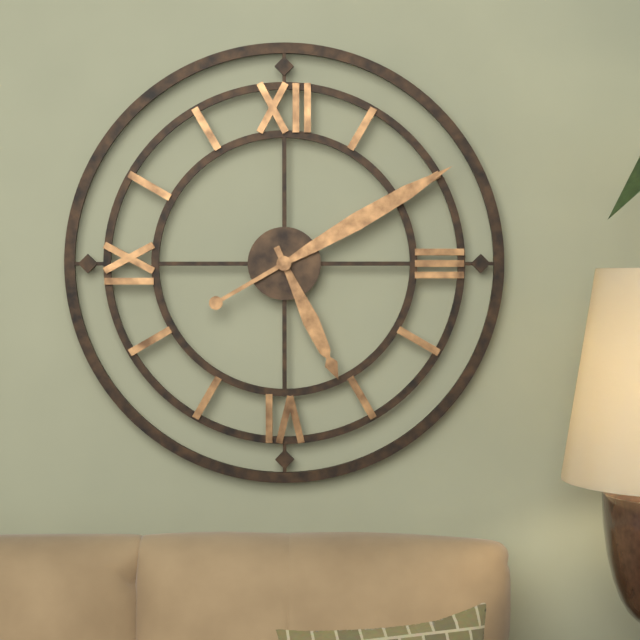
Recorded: **5:10**
